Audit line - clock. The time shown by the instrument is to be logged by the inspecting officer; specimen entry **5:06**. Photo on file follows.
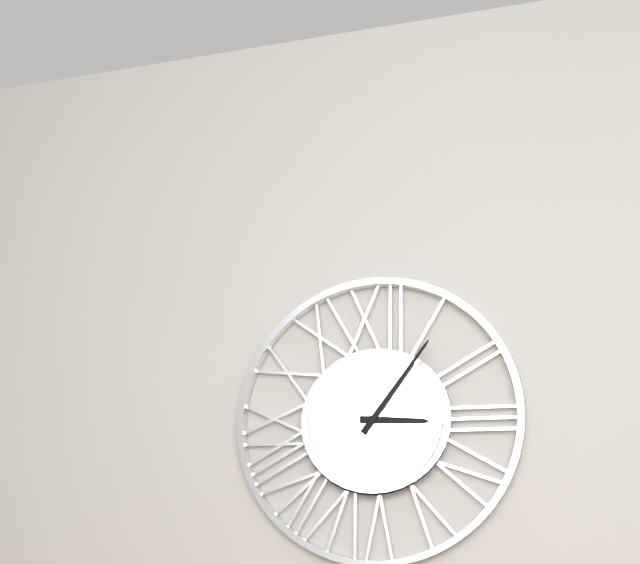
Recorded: **3:06**
